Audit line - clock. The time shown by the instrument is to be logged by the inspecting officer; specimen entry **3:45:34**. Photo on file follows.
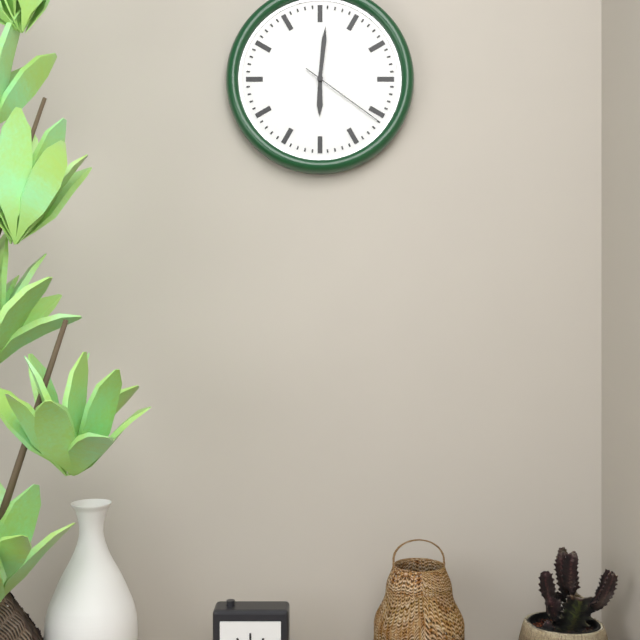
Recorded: **6:01:21**
